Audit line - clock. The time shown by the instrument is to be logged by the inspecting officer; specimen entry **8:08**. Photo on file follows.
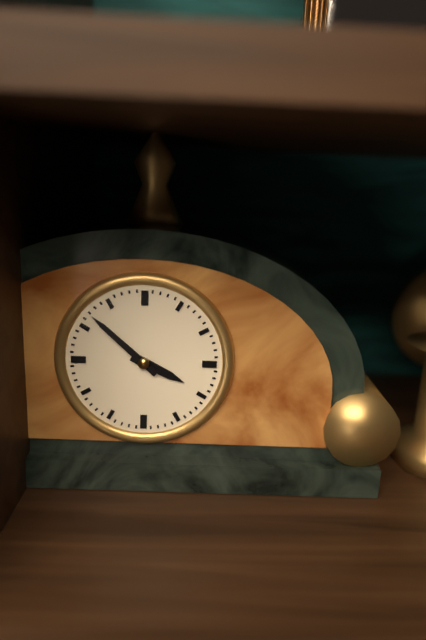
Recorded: **3:52**
